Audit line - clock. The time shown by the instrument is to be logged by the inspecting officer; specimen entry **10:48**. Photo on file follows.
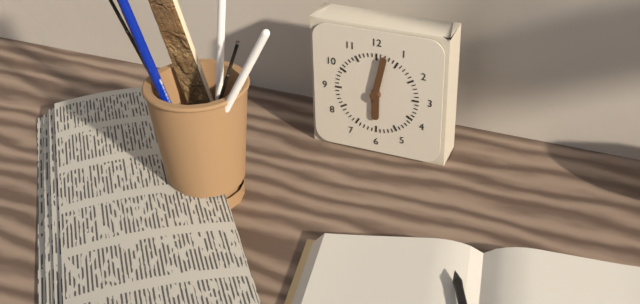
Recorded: **6:02**
